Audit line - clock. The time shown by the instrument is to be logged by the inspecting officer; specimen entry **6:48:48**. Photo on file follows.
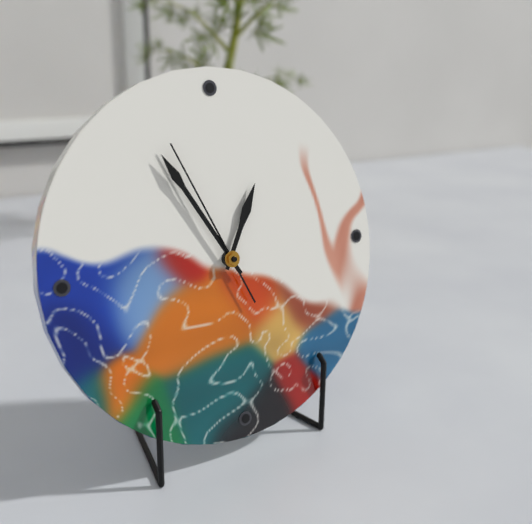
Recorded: **12:55:56**
